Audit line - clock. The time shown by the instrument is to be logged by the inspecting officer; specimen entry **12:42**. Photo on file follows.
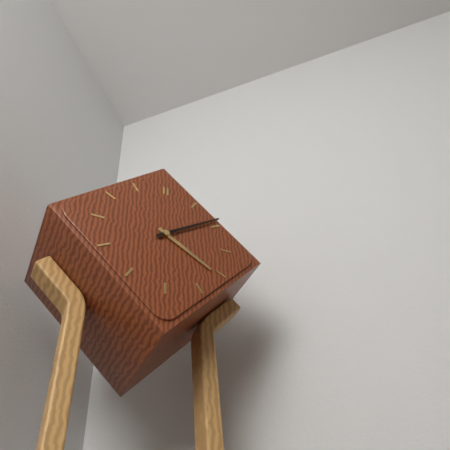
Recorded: **4:09**
